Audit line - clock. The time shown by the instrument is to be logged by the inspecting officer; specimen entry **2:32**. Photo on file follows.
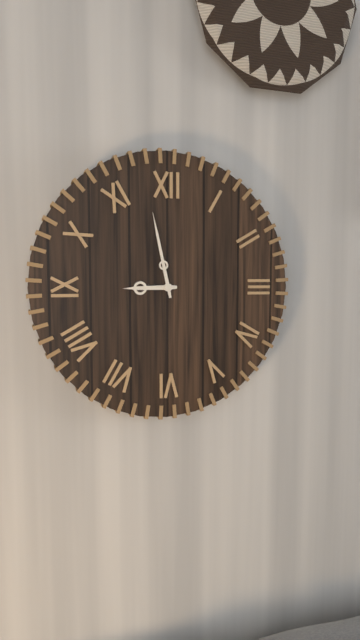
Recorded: **8:58**
